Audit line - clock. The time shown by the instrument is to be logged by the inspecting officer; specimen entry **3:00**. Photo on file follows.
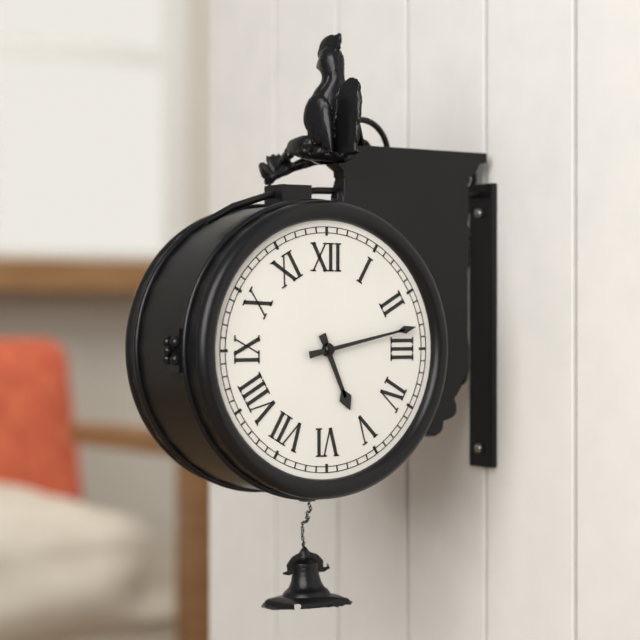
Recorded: **5:13**
